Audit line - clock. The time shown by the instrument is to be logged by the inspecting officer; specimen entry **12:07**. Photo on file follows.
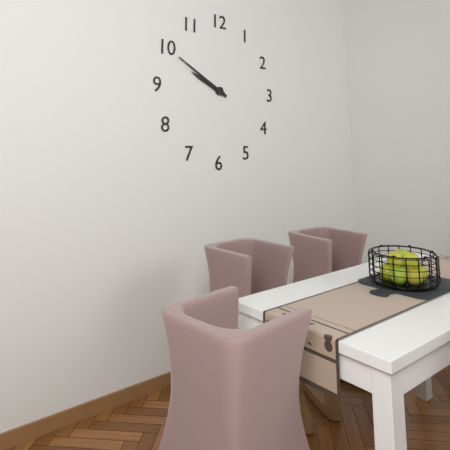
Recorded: **9:50**
